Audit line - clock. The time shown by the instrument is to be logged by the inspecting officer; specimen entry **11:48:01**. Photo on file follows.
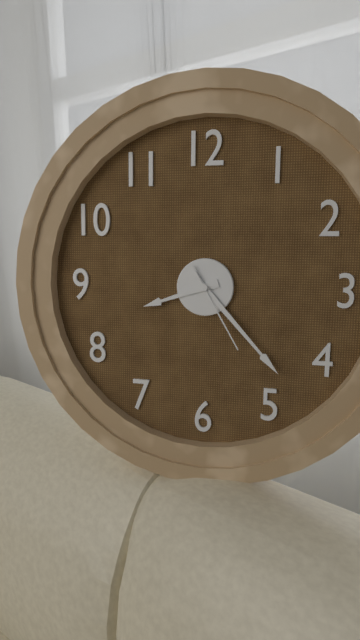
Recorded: **8:23:25**
